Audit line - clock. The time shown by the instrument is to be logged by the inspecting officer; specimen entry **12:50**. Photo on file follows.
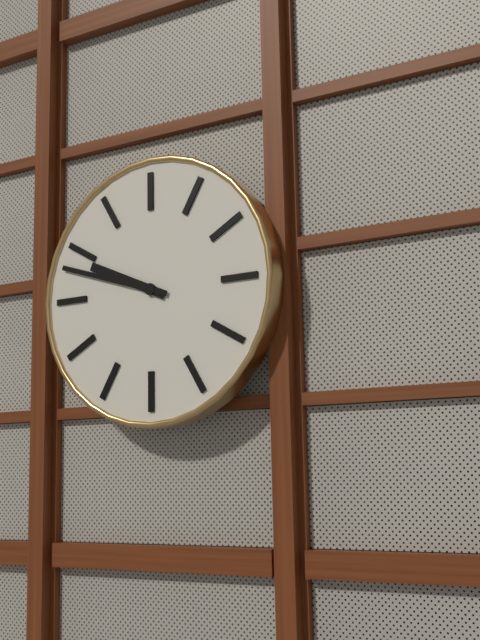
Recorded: **9:48**
